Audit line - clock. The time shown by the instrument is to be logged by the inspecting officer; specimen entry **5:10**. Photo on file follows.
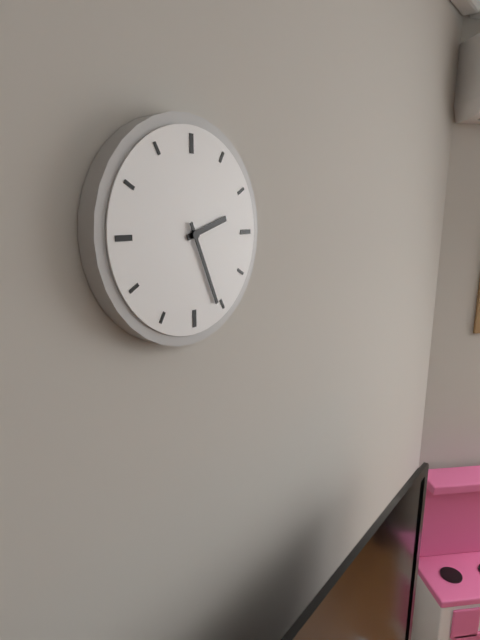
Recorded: **2:26**
